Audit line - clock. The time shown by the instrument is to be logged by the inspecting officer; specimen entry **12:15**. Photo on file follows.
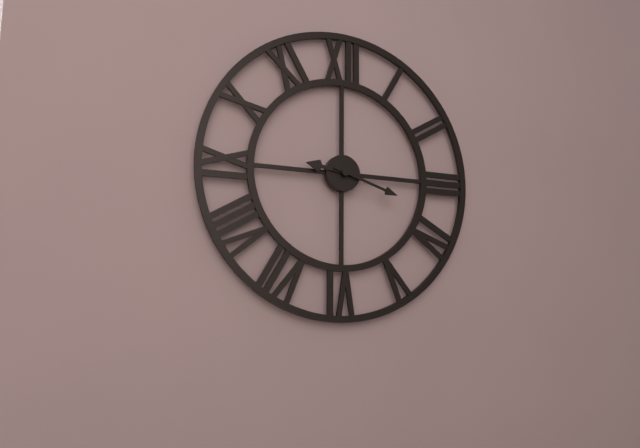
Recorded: **9:18**
